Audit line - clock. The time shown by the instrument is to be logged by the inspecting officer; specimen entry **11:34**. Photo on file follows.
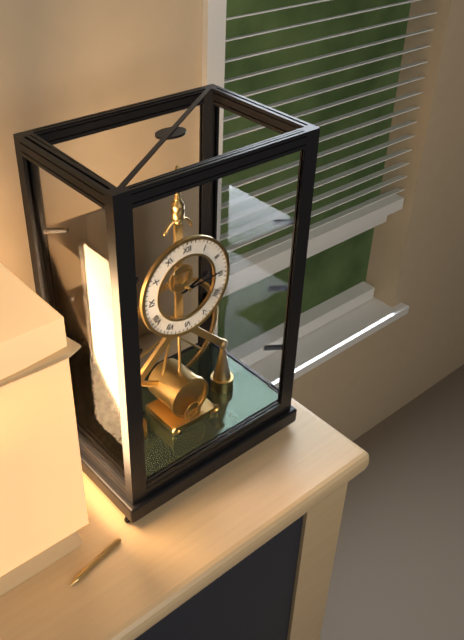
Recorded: **2:14**
